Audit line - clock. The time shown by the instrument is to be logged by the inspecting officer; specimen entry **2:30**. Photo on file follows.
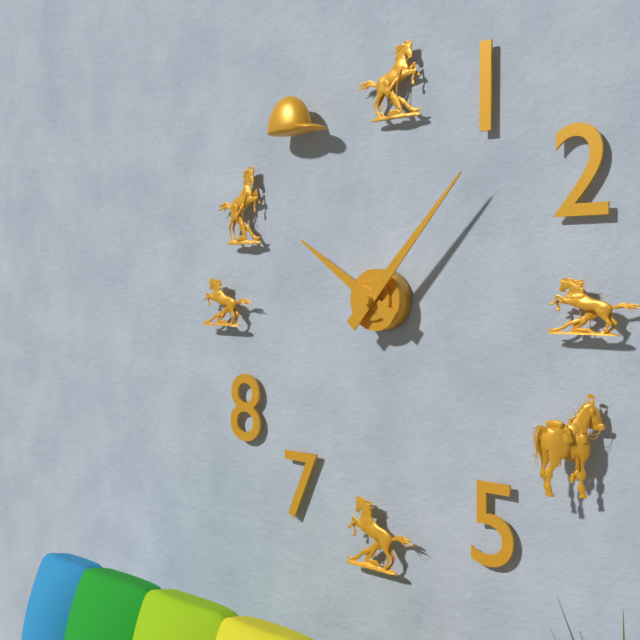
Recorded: **10:07**
